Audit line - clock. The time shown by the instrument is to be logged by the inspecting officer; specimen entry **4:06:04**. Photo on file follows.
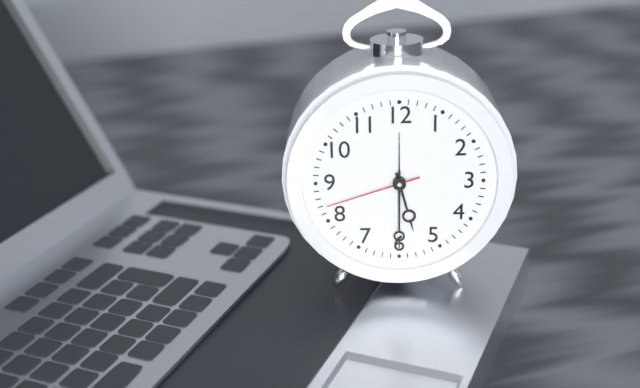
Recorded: **5:30:42**
